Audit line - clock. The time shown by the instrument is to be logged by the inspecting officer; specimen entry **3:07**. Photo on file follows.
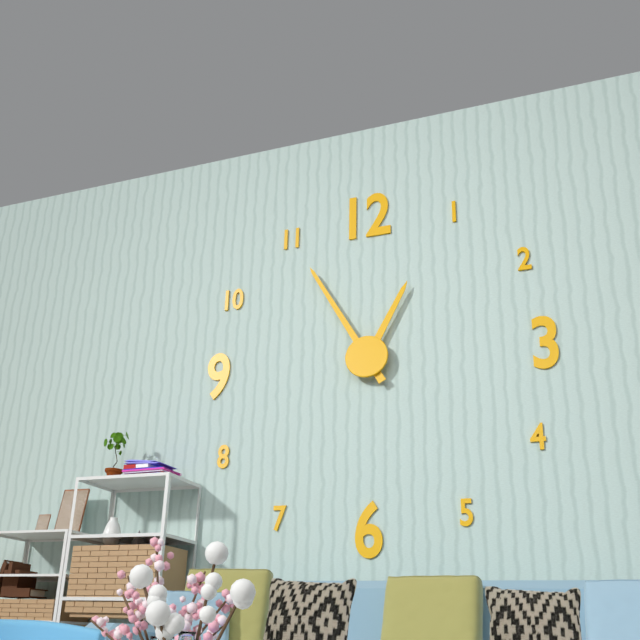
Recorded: **12:55**
